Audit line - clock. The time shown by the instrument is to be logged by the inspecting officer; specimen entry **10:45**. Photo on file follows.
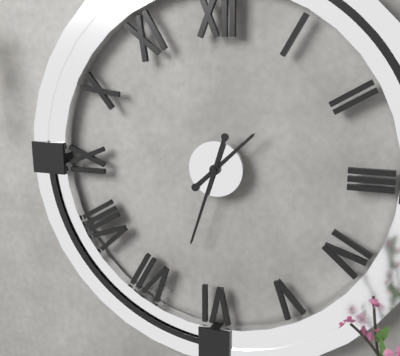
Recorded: **1:33**
